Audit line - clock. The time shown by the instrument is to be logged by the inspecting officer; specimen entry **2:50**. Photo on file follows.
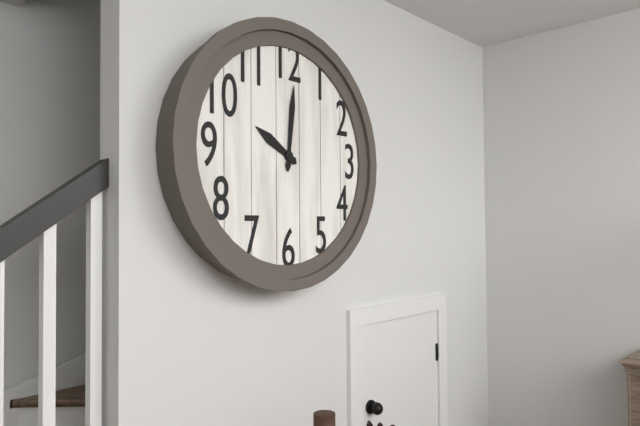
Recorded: **10:01**
